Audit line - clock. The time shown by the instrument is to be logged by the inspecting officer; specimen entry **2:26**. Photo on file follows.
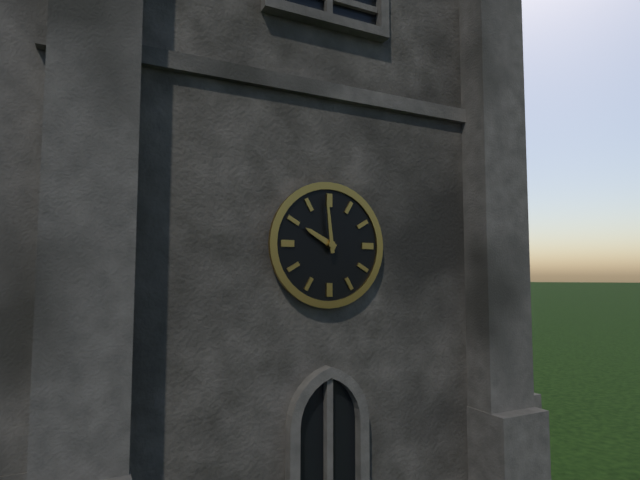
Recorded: **9:59**
